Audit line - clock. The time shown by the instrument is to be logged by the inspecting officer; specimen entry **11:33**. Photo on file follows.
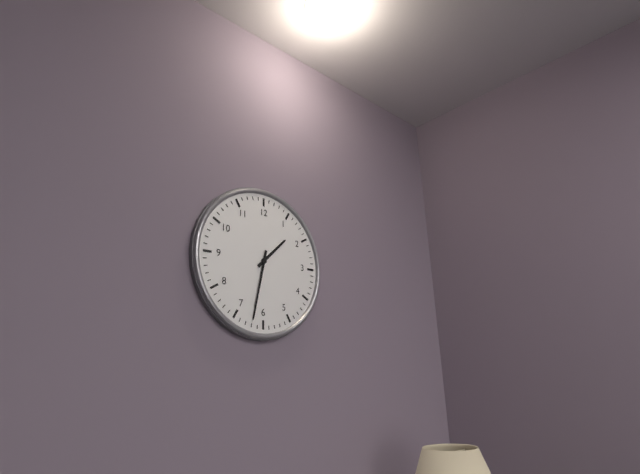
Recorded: **1:32**
